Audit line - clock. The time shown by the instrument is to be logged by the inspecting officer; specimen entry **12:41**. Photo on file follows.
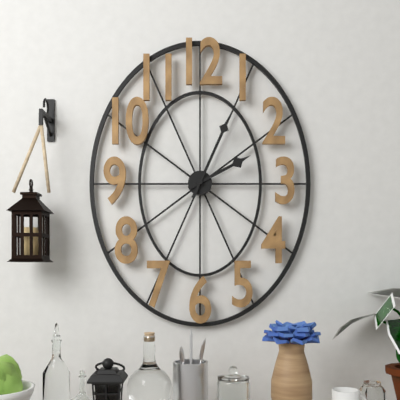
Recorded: **2:04**
